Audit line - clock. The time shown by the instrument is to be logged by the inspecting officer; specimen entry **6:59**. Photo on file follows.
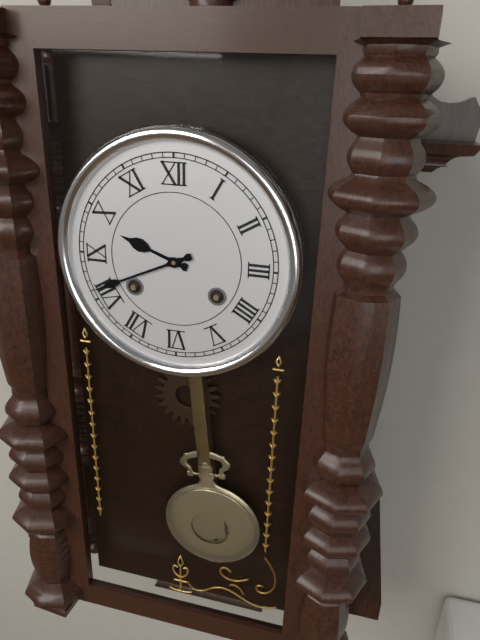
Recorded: **9:41**
